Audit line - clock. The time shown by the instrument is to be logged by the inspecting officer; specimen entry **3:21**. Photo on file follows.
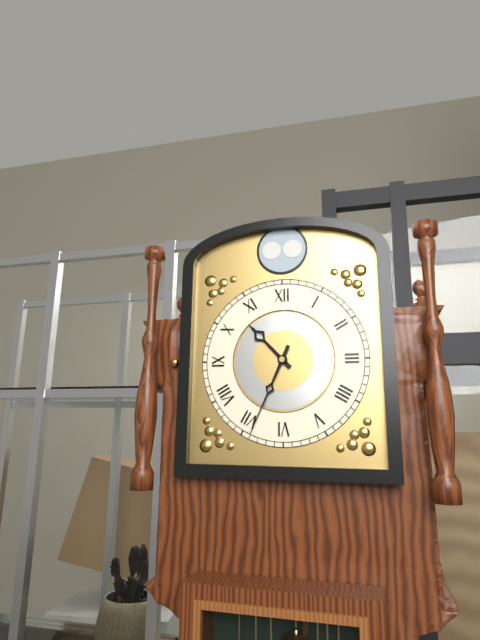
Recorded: **10:34**
